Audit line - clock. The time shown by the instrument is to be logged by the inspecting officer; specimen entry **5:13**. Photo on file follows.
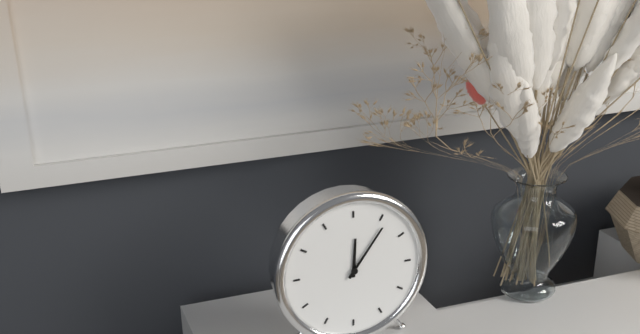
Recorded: **12:06**
